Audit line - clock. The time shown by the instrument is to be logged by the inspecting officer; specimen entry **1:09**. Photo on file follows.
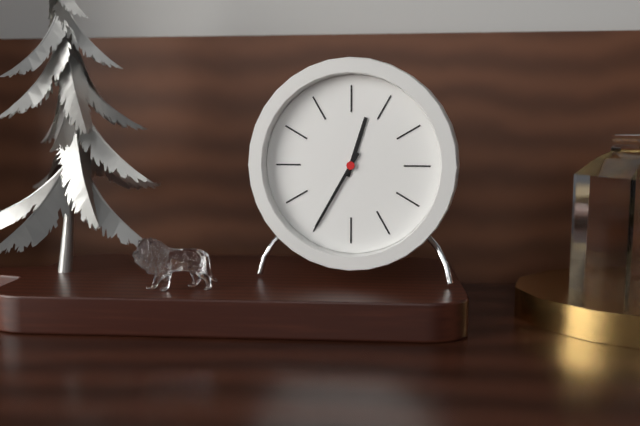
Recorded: **12:35**
